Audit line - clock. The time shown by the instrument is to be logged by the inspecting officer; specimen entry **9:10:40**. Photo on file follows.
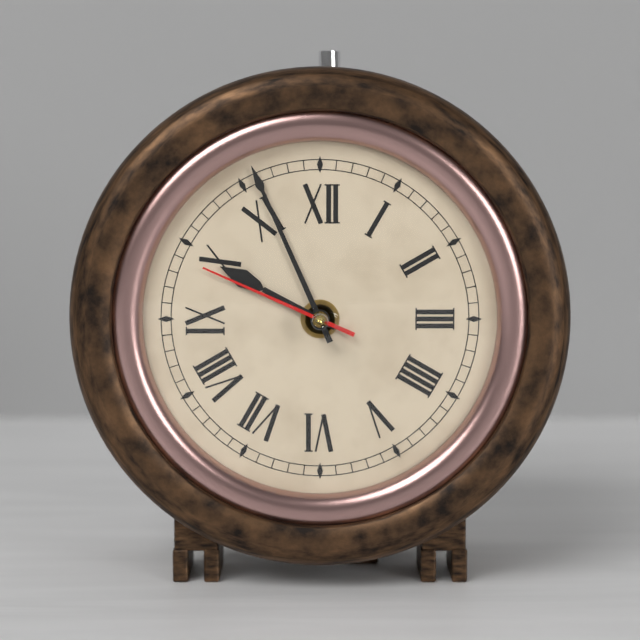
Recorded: **9:56:49**
